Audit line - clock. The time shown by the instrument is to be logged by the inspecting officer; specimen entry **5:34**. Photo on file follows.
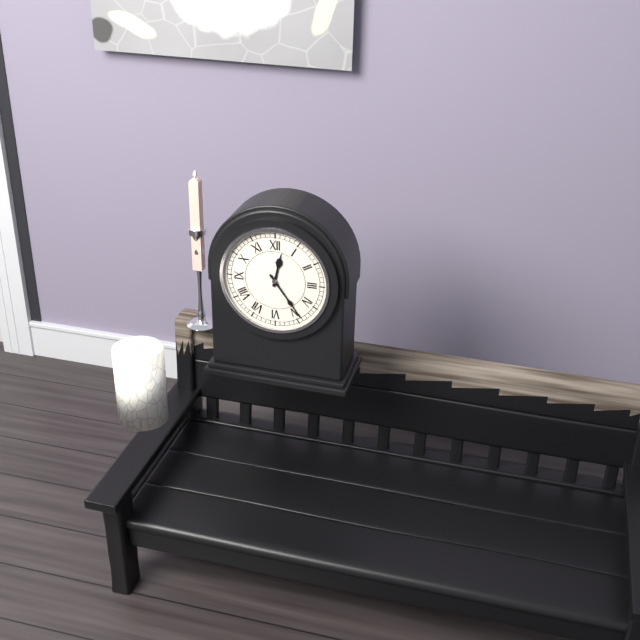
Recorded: **12:24**
